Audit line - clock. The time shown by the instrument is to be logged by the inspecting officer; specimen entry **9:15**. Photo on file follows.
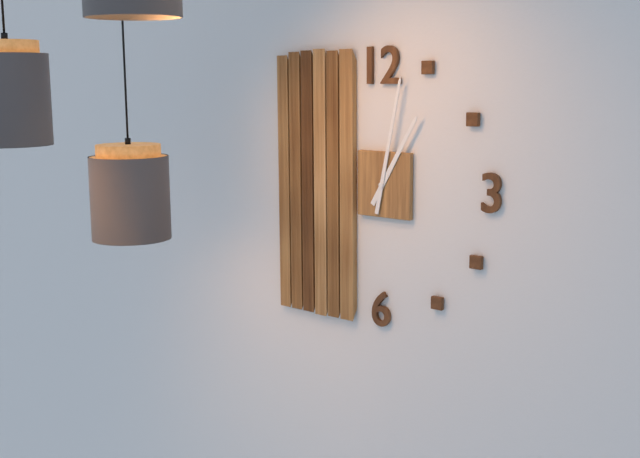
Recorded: **1:02**
